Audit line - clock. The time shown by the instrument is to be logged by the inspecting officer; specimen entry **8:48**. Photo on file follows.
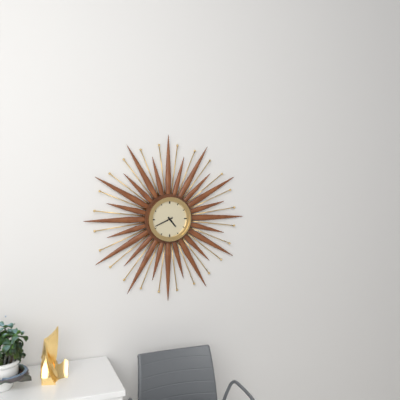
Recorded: **4:41**
